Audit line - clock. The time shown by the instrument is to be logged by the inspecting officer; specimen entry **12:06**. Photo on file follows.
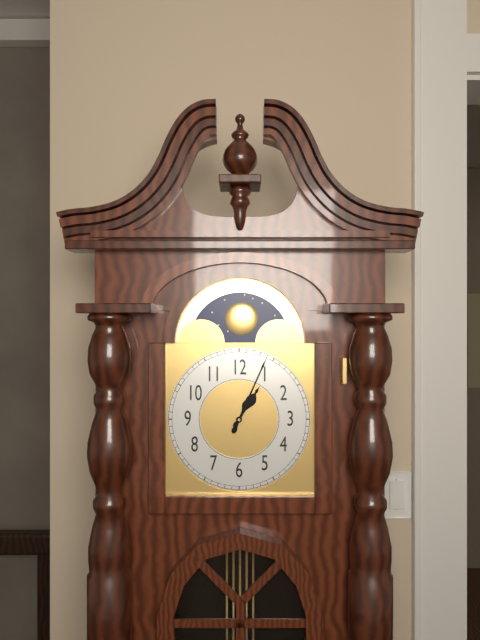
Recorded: **1:04**
